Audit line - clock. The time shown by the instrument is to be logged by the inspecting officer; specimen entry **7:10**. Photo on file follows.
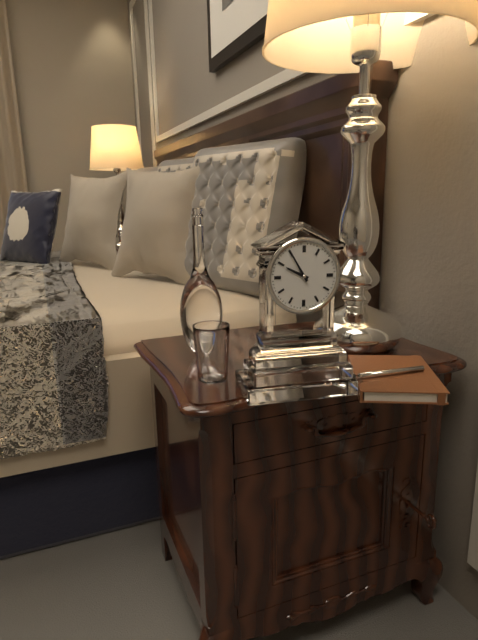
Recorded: **9:55**
